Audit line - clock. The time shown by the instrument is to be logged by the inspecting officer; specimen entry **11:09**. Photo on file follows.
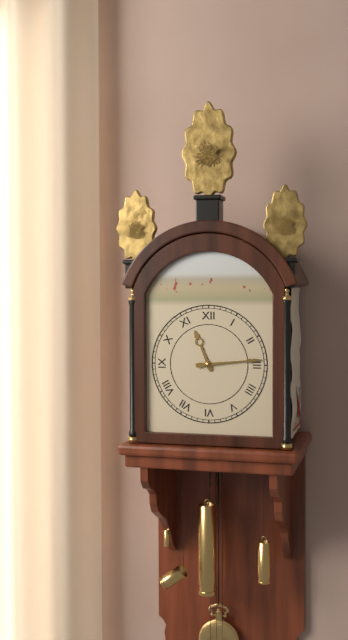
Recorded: **11:14**
